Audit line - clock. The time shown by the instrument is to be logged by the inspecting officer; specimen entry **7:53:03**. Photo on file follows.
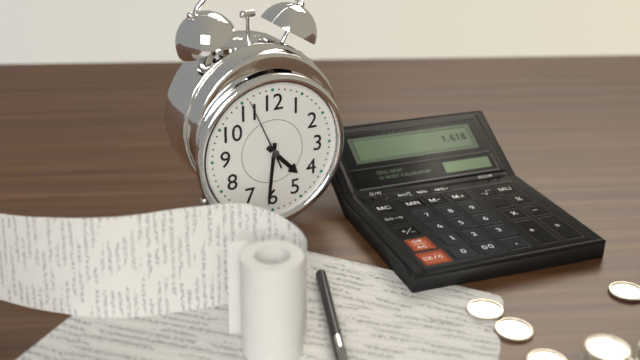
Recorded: **4:31:56**
